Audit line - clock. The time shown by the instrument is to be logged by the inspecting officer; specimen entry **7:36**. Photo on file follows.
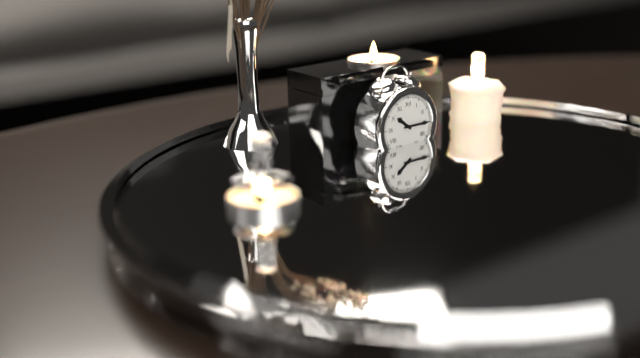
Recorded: **10:15**
